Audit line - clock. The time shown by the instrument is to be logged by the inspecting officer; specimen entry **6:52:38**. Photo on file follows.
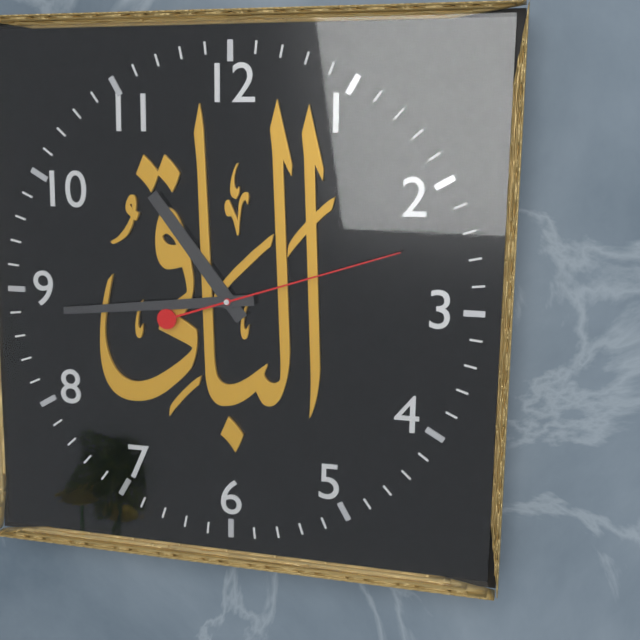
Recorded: **10:44:12**
